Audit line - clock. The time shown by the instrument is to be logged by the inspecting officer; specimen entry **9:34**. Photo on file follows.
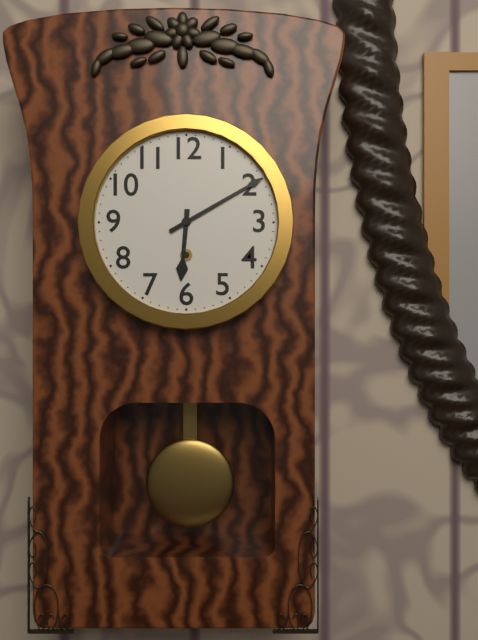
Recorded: **6:10**
